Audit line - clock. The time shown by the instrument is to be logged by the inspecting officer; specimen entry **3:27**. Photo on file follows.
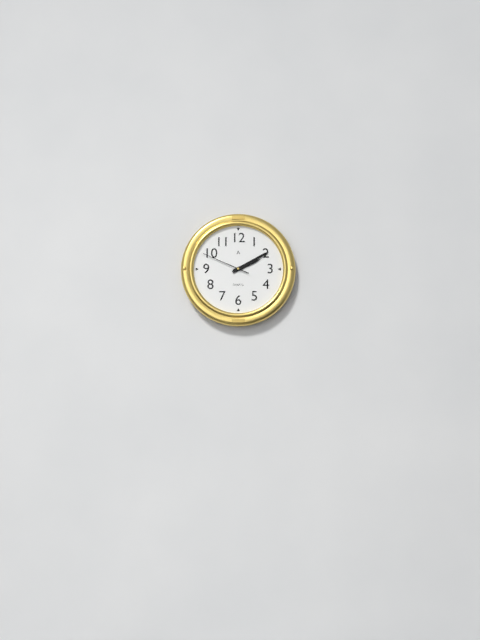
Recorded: **2:10**
